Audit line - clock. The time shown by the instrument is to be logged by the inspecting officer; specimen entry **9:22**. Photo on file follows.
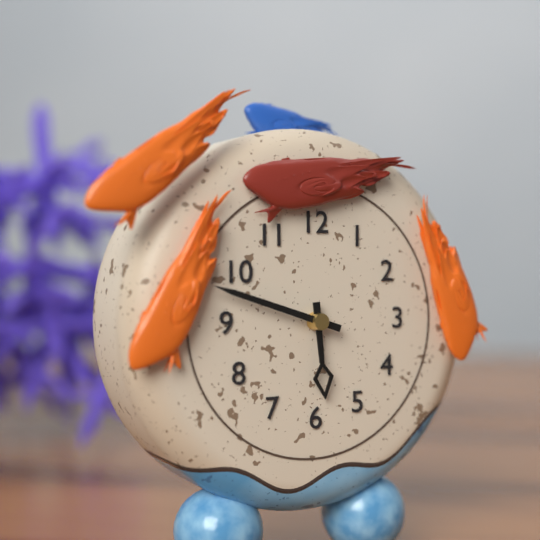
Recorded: **5:48**
